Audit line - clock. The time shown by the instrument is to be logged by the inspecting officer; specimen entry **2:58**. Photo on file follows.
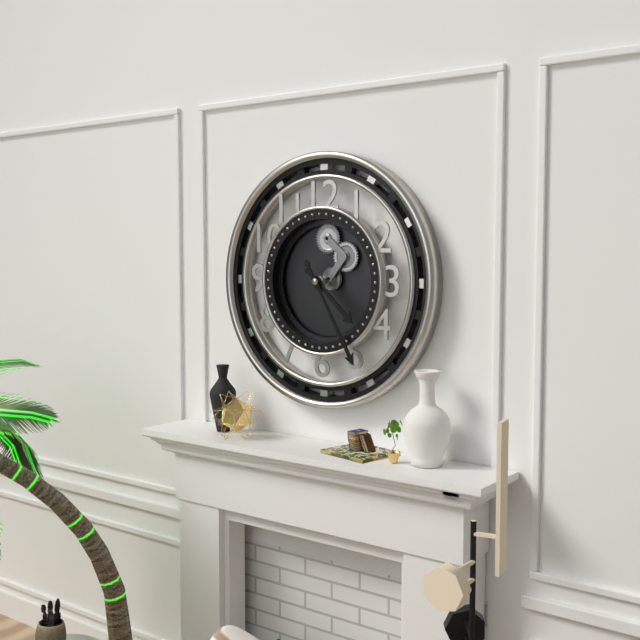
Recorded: **4:25**
